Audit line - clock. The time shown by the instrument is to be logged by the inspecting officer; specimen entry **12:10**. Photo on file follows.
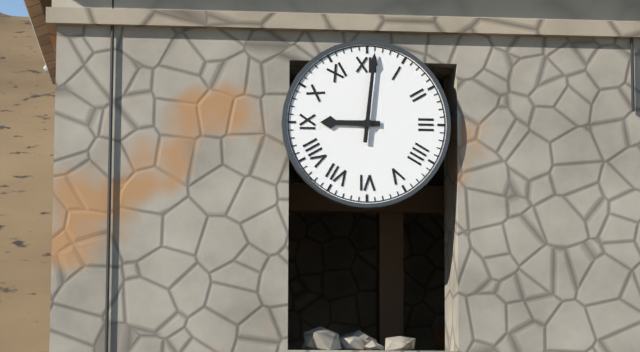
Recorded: **9:01**
